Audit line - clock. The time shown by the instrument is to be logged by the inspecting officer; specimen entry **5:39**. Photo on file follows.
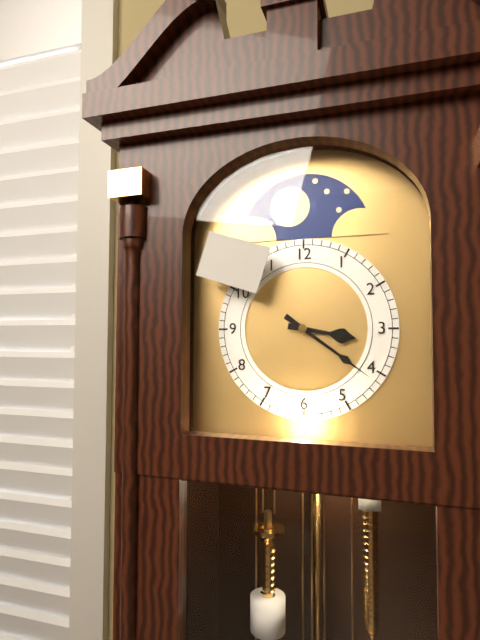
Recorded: **3:21**
